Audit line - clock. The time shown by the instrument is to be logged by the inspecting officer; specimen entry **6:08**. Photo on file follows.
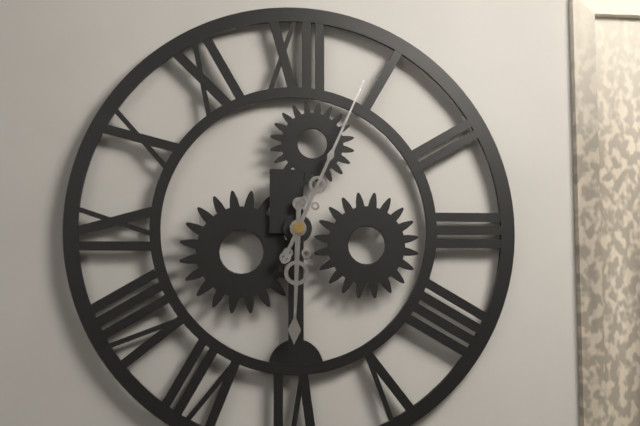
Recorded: **6:04**
